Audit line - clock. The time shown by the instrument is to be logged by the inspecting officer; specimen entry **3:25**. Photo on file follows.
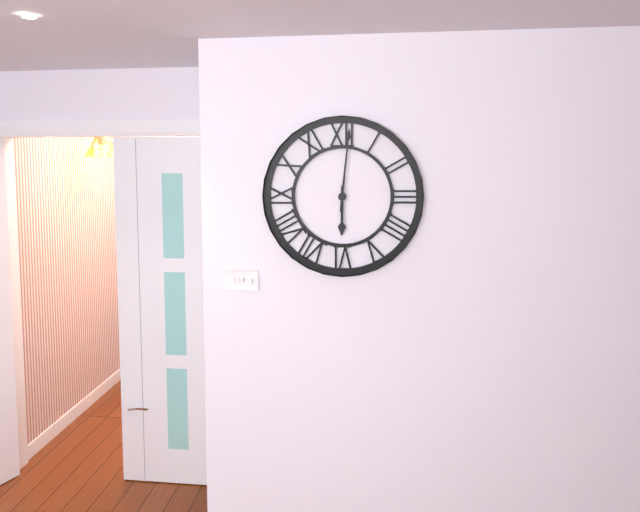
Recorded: **6:01**
